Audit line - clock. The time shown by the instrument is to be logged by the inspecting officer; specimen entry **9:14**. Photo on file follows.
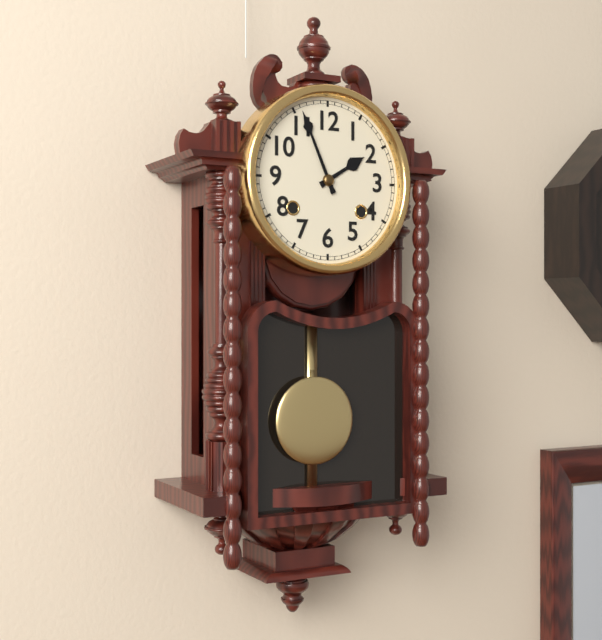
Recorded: **1:56**
